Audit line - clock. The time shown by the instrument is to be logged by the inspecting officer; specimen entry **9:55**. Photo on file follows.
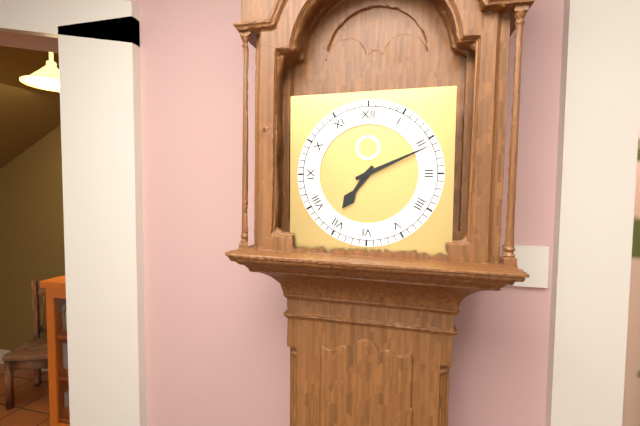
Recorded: **7:11**
